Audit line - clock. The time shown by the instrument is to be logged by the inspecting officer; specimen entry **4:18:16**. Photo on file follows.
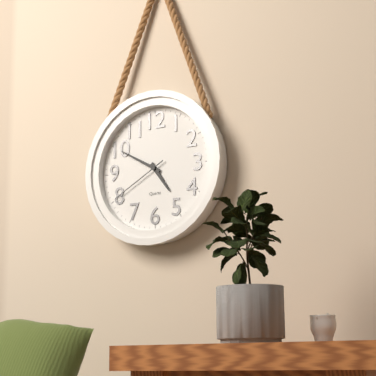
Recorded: **4:50:40**
